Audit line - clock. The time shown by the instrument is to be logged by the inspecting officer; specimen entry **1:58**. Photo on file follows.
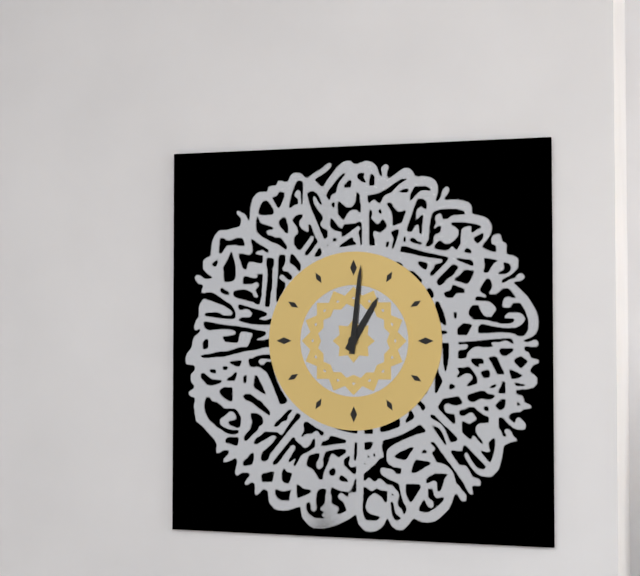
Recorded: **1:01**
